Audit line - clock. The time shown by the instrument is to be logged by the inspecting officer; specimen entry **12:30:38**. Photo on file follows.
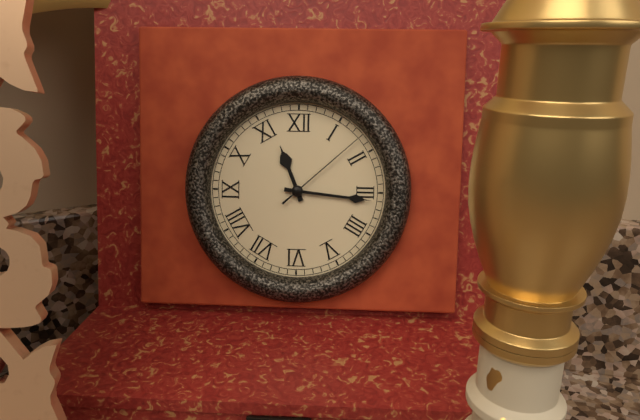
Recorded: **11:16:08**
